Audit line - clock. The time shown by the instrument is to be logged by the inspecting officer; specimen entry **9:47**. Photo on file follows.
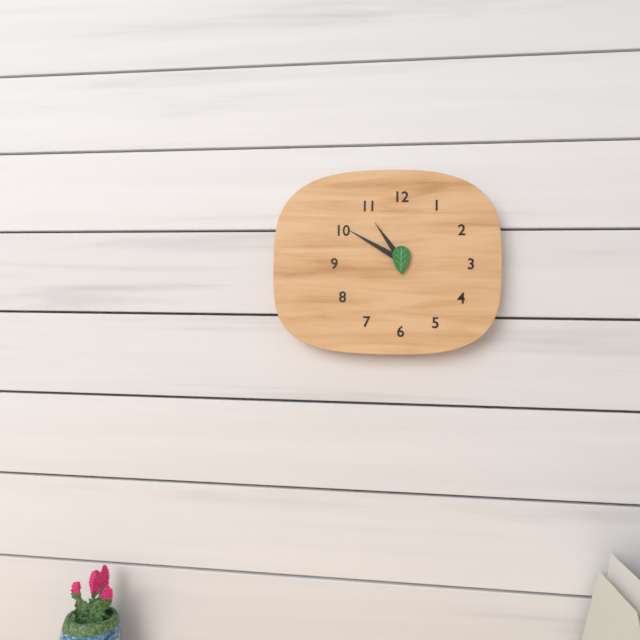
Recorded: **10:50**
